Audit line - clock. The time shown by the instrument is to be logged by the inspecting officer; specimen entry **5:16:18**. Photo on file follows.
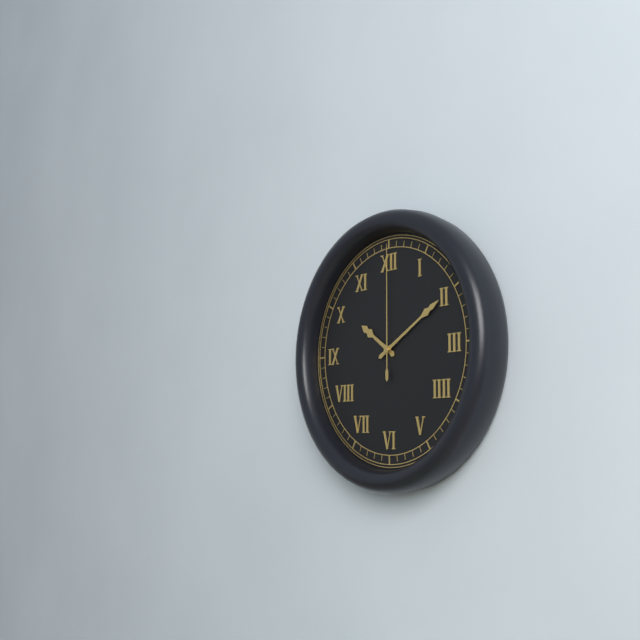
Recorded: **10:10:00**
